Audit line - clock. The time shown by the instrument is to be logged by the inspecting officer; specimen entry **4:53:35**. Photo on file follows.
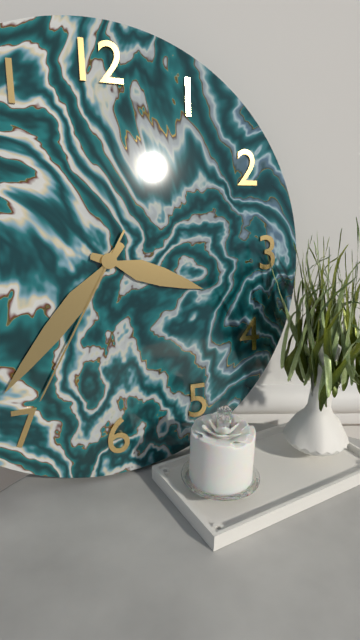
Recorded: **3:37:35**
